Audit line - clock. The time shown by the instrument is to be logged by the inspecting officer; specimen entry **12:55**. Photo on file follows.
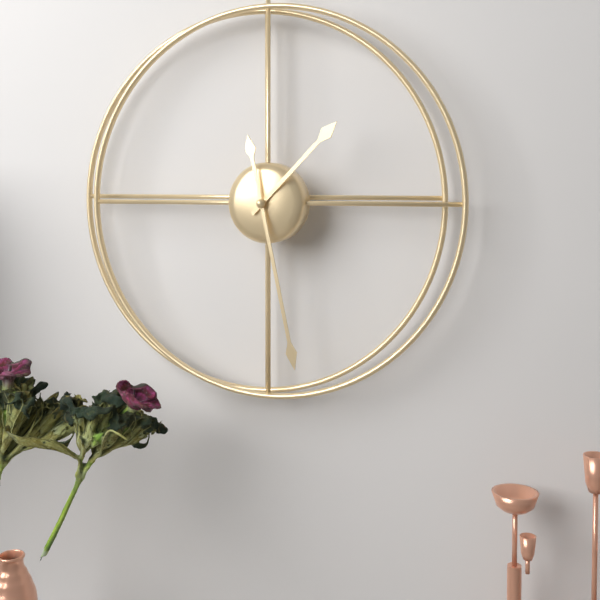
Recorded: **1:28**
